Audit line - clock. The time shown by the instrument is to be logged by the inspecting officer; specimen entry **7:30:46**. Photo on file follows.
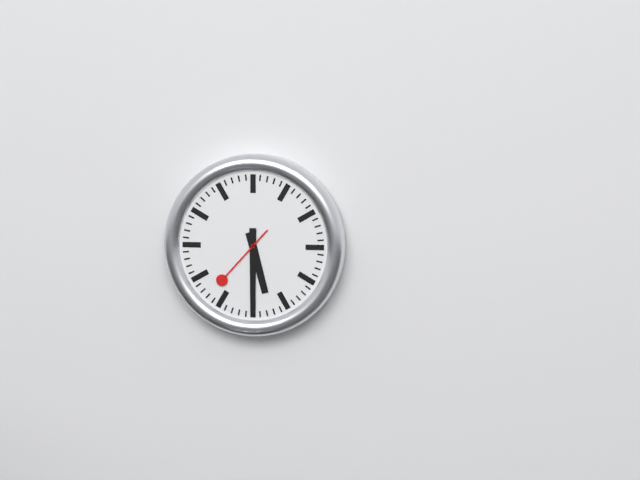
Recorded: **5:30:37**
